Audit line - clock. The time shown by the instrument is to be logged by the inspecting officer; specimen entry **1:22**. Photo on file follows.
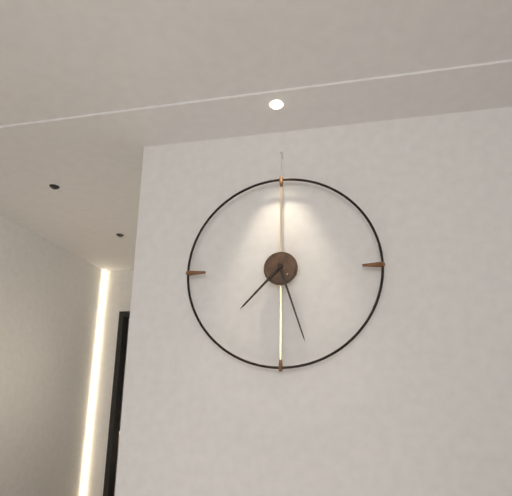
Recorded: **7:27**
